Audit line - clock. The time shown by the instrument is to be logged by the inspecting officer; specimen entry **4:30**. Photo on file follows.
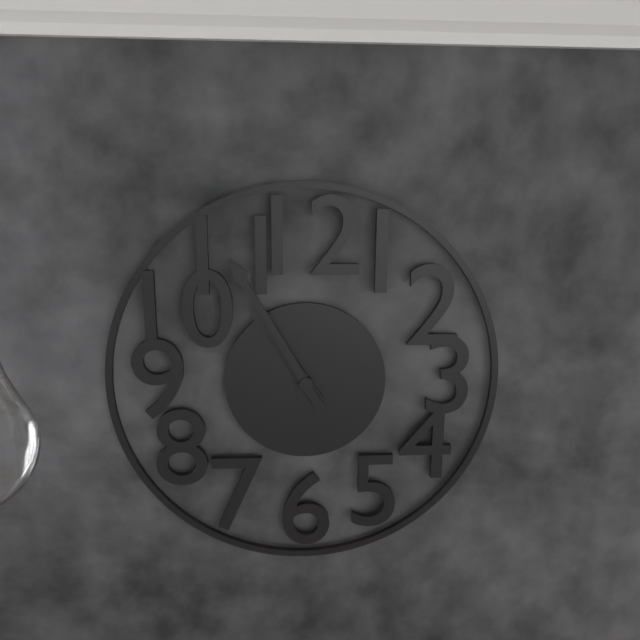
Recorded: **10:55**
